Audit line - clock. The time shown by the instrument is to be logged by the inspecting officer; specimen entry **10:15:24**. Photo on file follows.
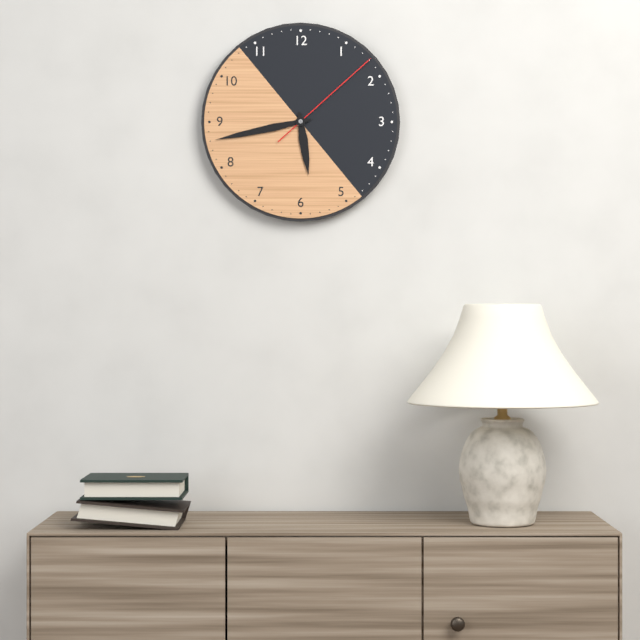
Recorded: **5:43:08**
